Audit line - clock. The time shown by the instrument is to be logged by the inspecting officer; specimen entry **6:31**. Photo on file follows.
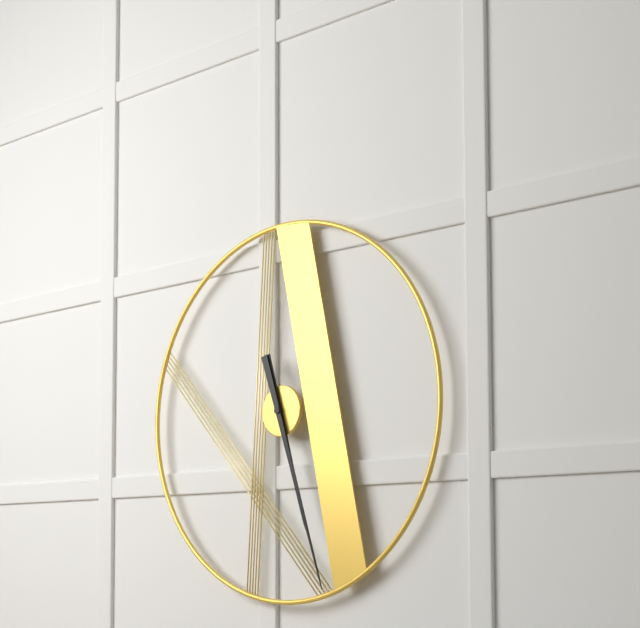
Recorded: **5:27**
